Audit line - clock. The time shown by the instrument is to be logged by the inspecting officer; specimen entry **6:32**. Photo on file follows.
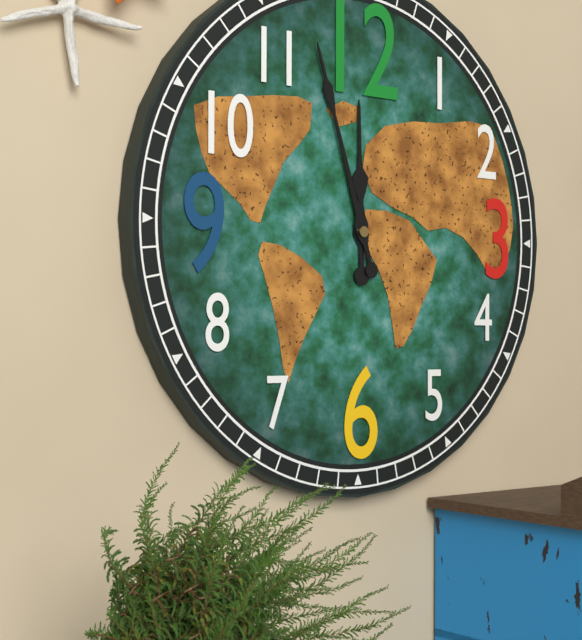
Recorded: **11:57**
